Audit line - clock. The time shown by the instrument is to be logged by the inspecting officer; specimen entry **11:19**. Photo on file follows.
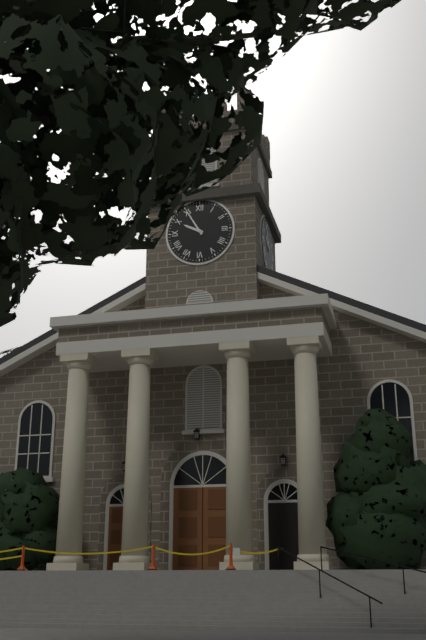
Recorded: **9:55**
